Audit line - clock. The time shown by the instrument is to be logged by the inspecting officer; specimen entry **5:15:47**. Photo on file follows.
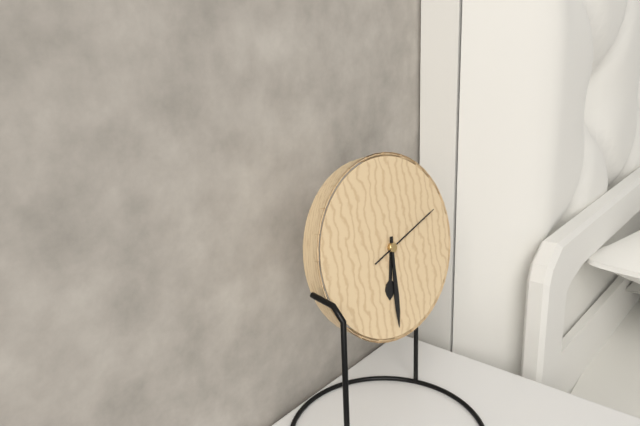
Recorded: **6:31:12**
